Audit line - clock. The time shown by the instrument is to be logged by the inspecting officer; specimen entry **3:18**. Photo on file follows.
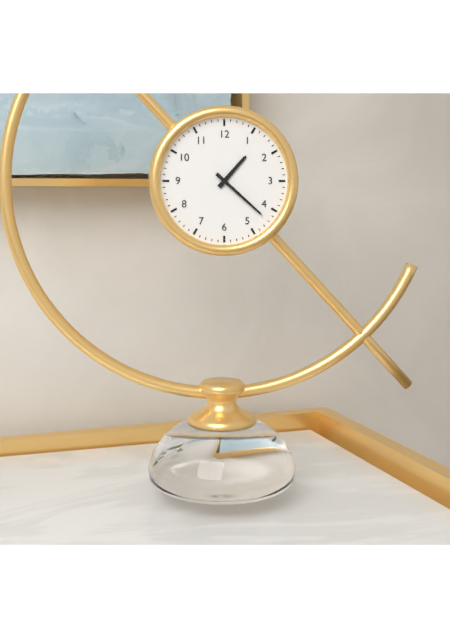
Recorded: **1:22**
